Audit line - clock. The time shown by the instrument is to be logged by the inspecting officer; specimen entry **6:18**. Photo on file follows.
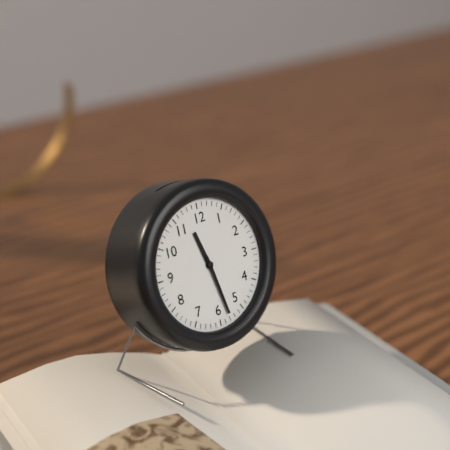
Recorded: **11:28**
